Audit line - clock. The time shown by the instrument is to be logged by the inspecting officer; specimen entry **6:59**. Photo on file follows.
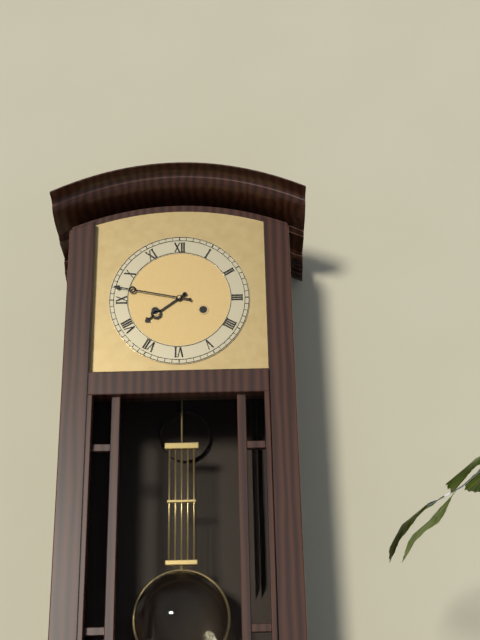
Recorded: **7:47**
